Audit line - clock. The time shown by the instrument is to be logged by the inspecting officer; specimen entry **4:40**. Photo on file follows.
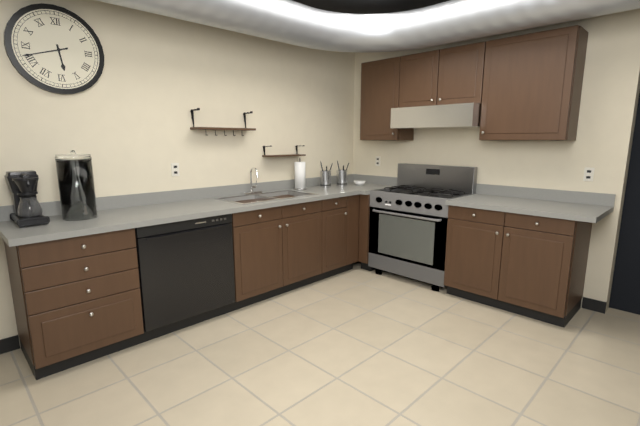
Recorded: **5:42**
